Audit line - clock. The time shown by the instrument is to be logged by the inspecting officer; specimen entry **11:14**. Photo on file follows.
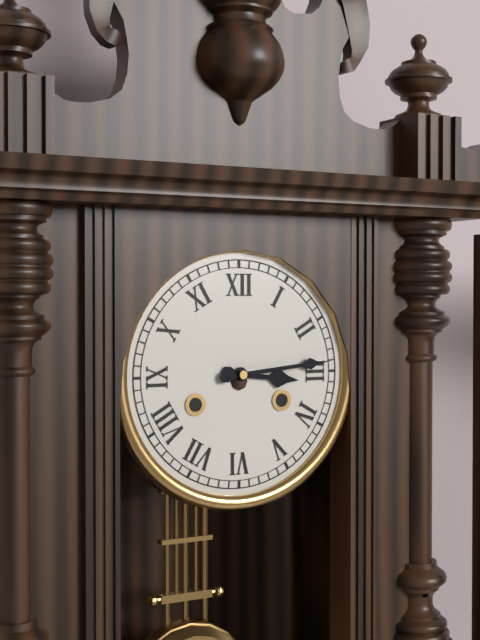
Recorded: **3:14**
